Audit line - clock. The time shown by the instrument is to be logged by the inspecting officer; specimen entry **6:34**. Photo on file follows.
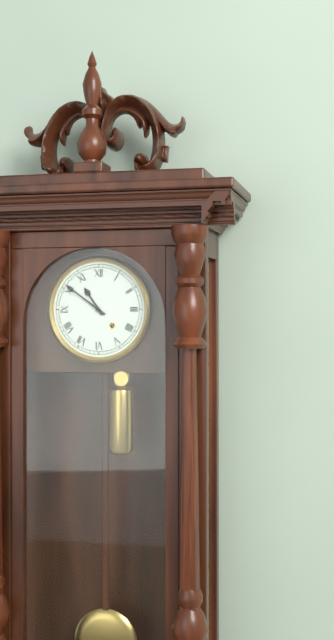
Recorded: **10:51**
